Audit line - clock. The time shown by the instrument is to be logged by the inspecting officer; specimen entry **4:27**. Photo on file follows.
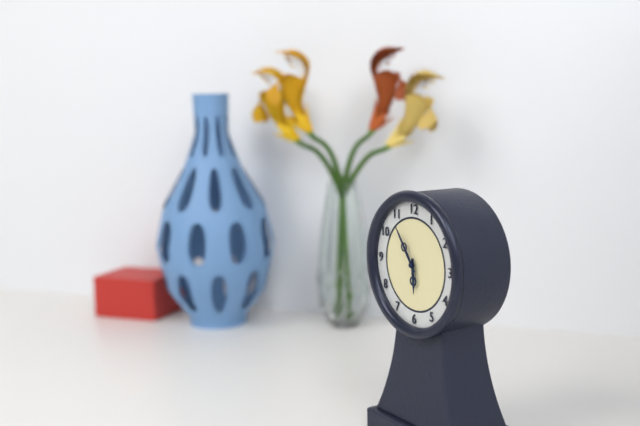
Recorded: **5:54**
